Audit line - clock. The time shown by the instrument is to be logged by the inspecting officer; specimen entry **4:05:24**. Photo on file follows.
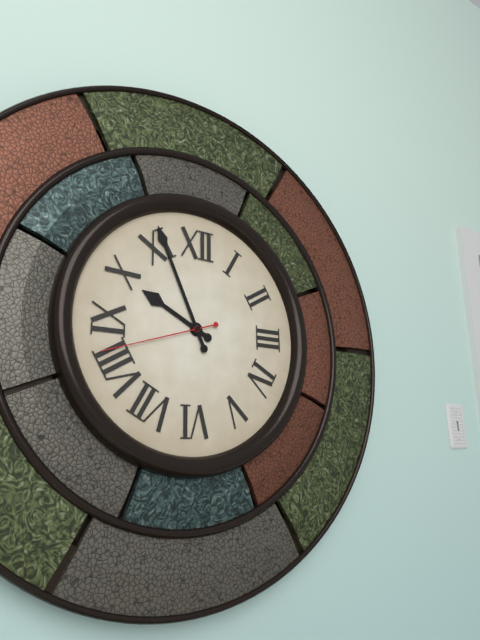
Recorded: **9:56:42**
